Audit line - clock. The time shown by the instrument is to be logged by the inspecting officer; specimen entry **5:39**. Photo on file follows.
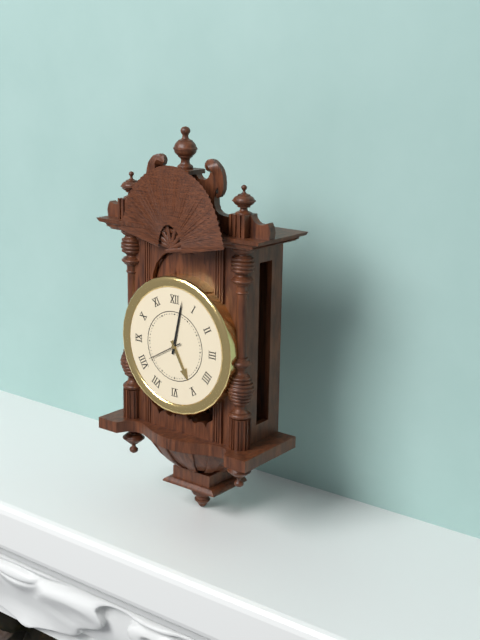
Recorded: **5:02**
